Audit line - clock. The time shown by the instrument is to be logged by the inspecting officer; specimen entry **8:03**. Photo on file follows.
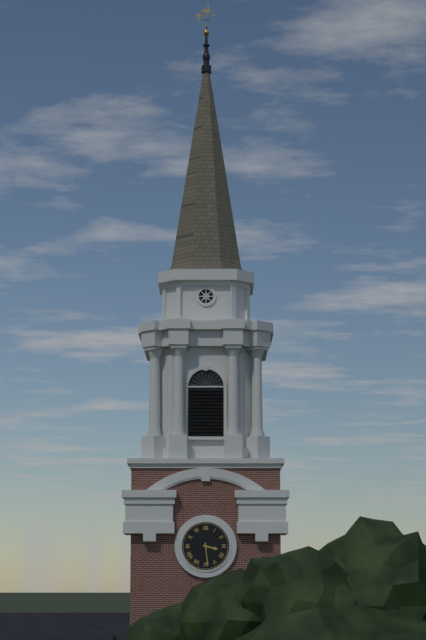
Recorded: **3:29**
